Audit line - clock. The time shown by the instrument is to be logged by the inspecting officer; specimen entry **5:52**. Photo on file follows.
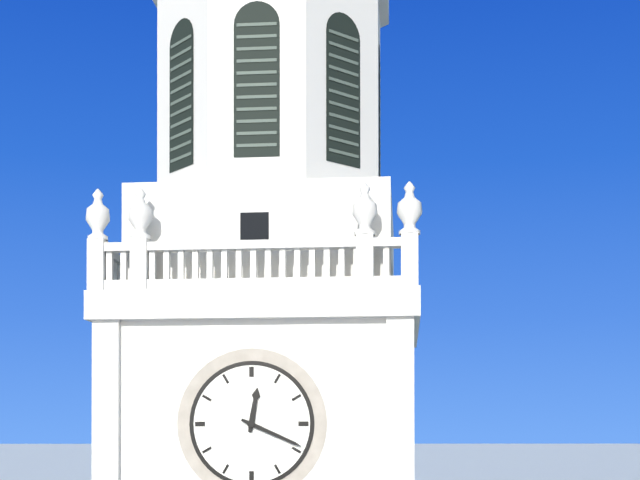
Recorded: **12:19**
